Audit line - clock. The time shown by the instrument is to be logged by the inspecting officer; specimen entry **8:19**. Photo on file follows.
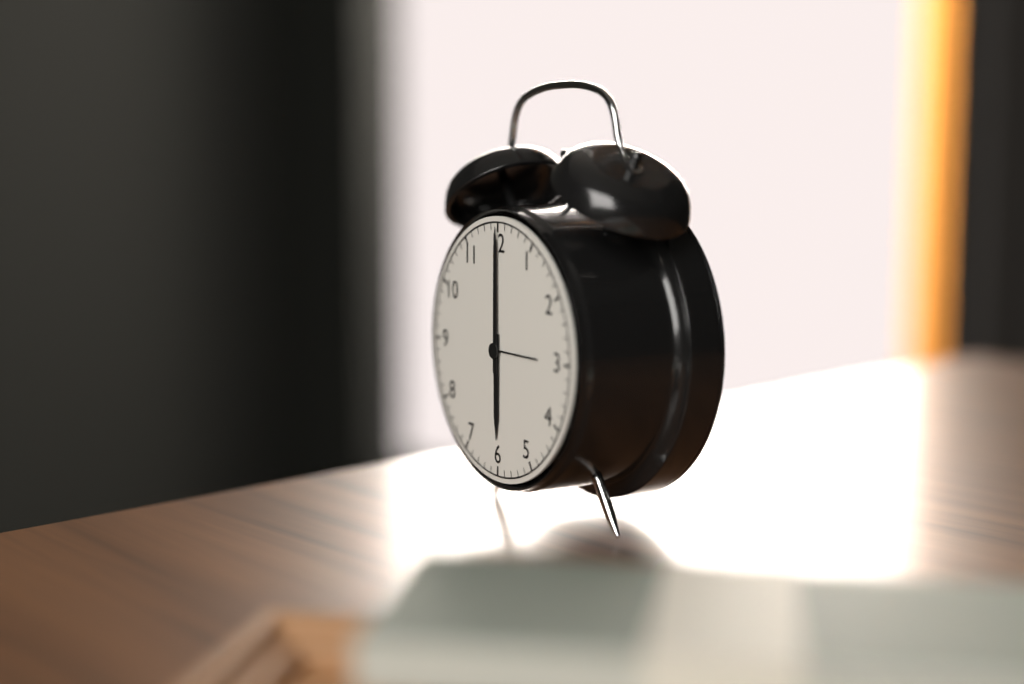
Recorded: **6:00**
